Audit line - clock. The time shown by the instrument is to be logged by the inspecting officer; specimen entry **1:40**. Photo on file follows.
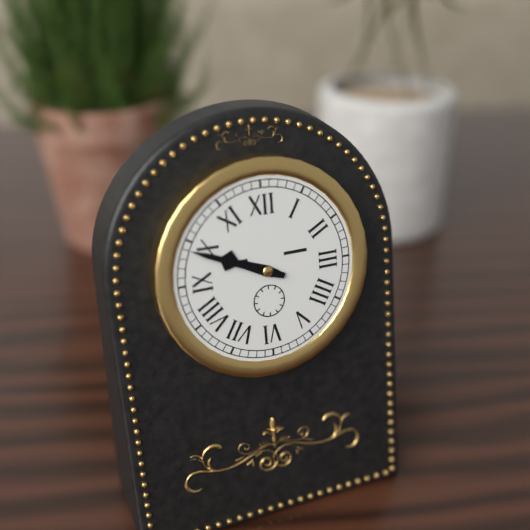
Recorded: **9:49**
